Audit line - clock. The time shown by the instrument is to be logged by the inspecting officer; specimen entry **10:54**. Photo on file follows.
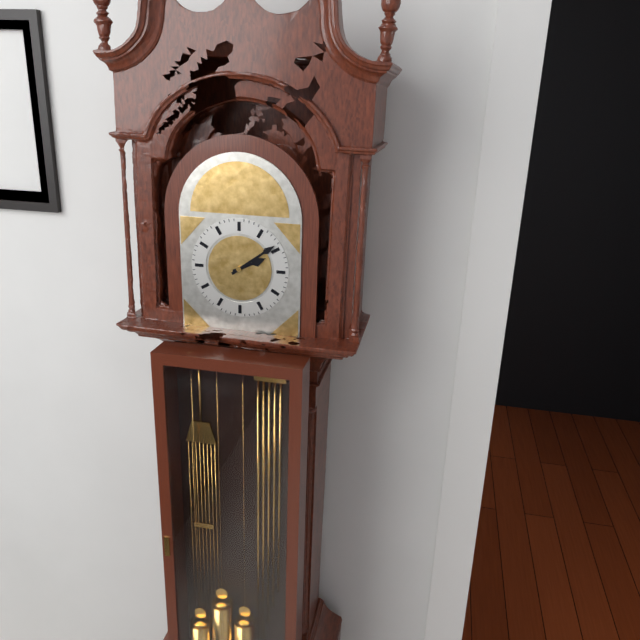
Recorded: **2:09**
